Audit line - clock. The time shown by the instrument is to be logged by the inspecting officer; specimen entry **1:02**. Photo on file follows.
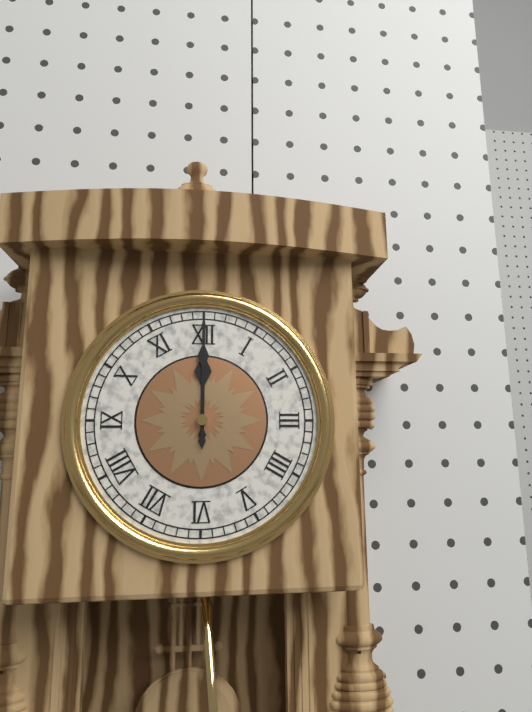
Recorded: **12:00**
